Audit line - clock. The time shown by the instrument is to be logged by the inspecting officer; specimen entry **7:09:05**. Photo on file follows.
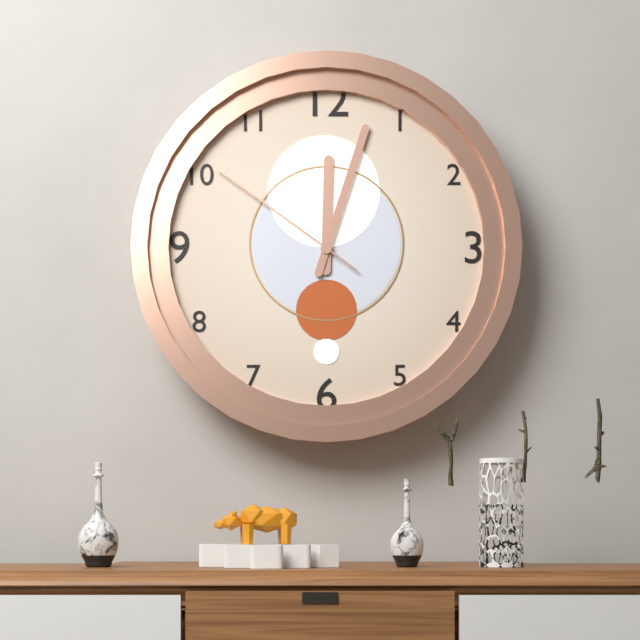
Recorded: **12:03:51**
